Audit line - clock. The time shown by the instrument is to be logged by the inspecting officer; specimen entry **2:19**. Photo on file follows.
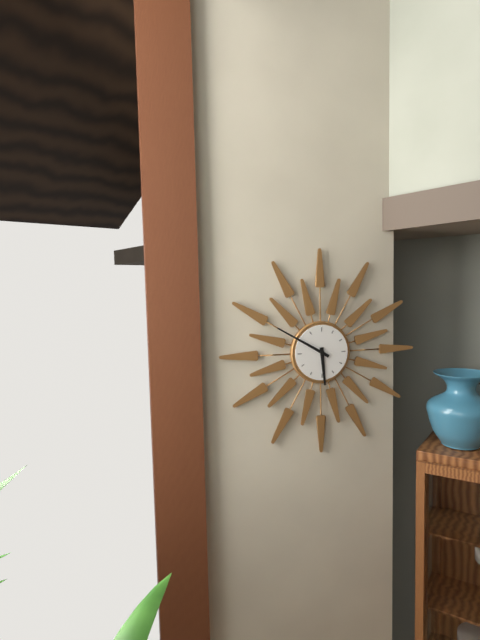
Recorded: **5:50**
